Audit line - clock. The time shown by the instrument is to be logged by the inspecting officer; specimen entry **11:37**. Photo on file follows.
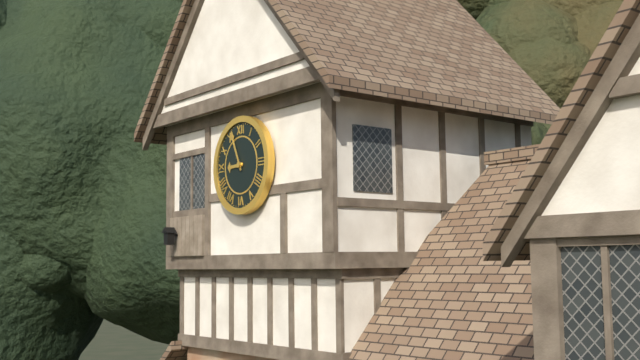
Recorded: **8:56**
